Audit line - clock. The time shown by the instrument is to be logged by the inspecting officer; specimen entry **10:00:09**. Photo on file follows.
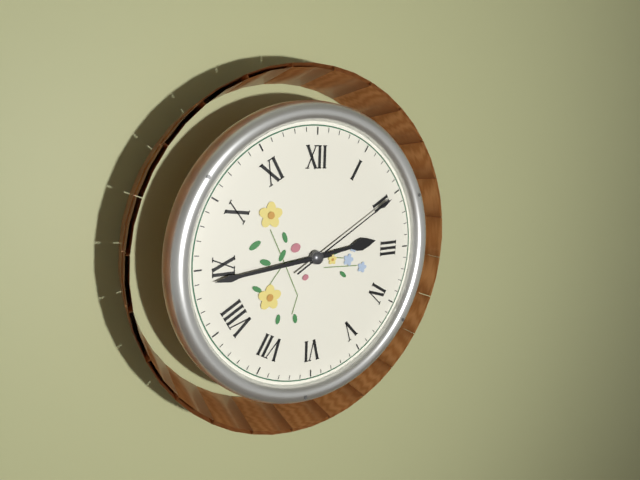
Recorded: **2:44:10**
